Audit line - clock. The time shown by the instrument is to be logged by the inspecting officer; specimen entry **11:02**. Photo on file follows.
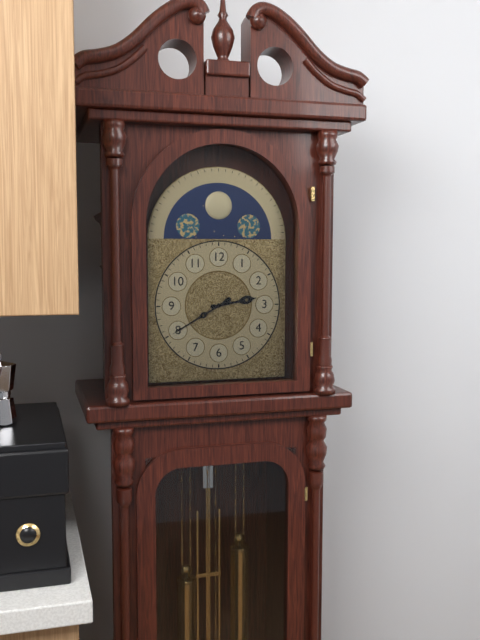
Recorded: **2:40**
